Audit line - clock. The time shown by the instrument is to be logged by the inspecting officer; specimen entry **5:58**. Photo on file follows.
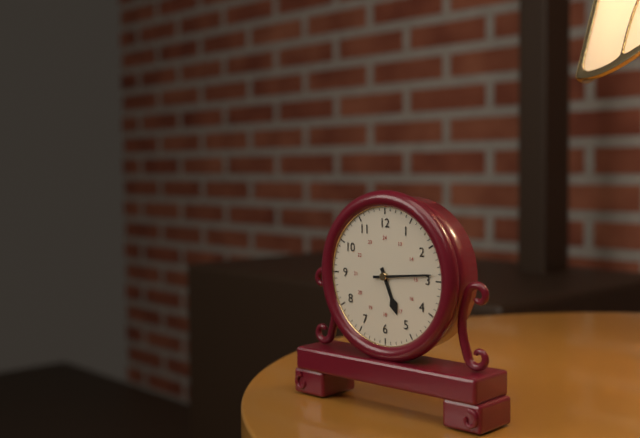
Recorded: **5:14**
